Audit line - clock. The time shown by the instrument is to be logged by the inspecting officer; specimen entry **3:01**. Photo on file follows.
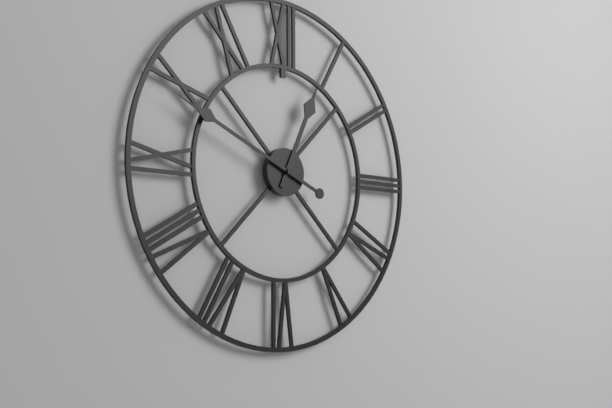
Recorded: **12:49**
